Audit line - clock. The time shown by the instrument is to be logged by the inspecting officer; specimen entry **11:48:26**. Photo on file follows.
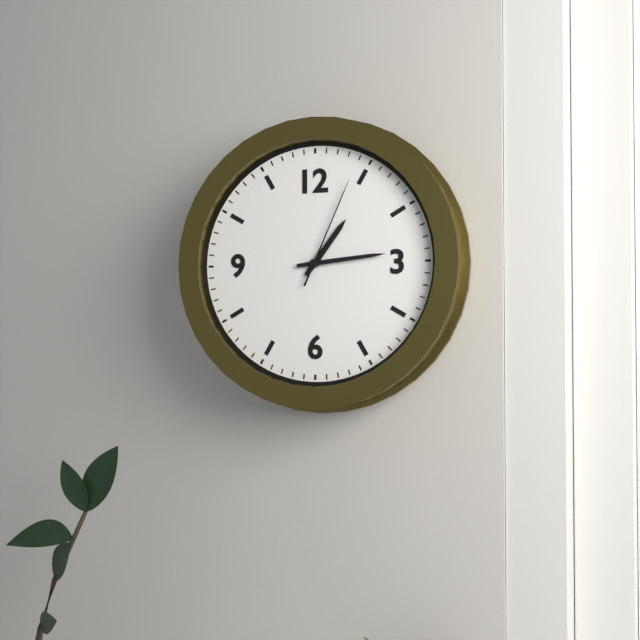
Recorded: **1:14:04**
